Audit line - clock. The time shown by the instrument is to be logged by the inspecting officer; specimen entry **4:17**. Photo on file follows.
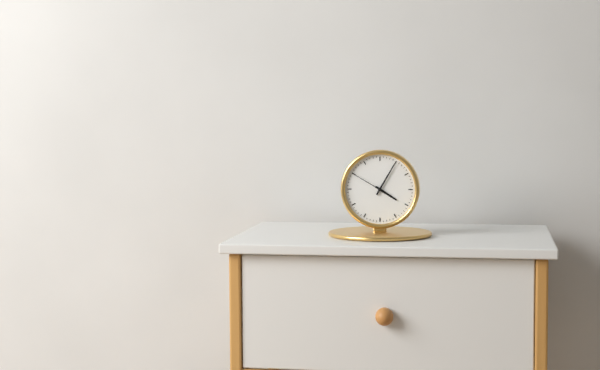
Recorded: **4:05**
